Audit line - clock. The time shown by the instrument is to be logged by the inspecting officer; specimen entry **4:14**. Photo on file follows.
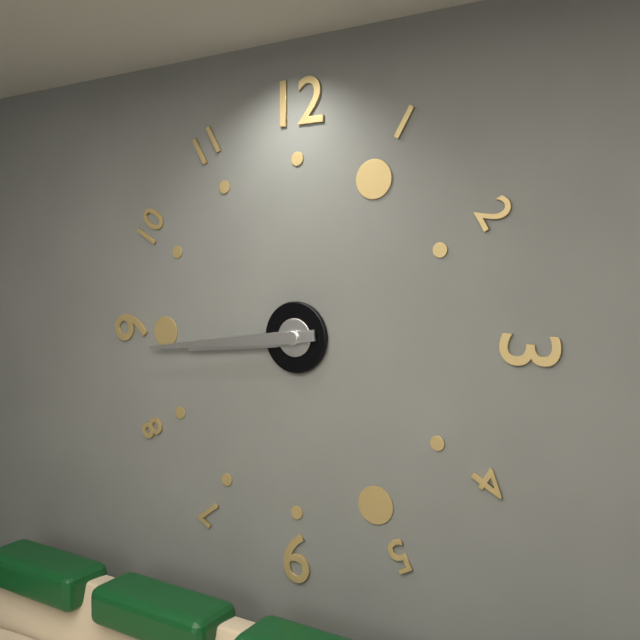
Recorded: **8:44**
